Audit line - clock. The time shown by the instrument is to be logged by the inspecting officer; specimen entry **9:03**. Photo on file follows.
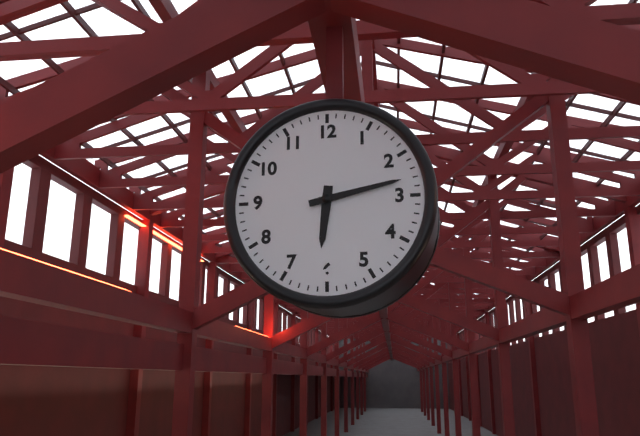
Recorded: **6:13**
